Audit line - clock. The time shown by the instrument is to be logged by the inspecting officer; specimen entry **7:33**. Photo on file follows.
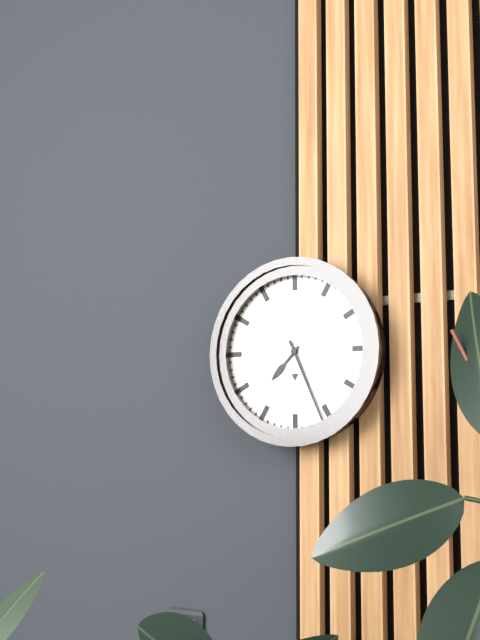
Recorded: **7:26**
